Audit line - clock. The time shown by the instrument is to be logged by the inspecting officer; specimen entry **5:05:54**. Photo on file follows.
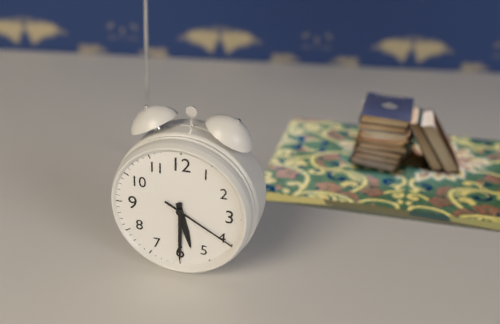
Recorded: **5:30:20**
